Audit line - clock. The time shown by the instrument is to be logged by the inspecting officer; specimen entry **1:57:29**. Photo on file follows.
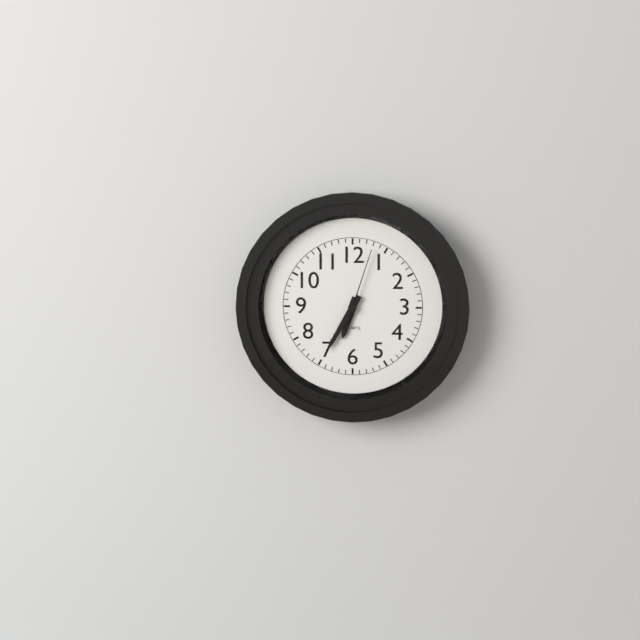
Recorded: **6:35:03**
